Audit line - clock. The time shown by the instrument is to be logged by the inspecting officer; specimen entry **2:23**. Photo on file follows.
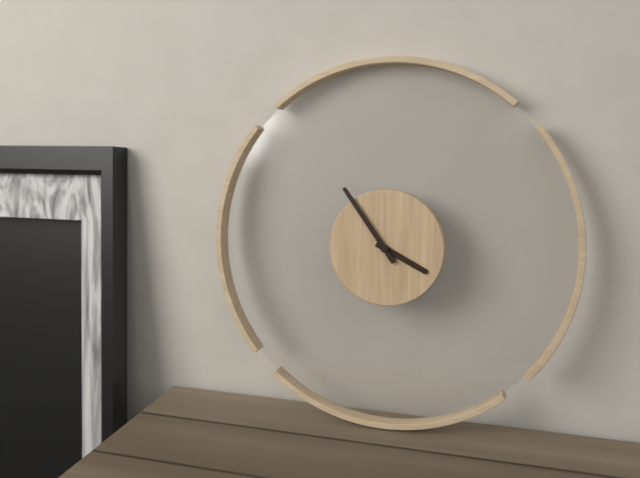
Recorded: **3:54**
